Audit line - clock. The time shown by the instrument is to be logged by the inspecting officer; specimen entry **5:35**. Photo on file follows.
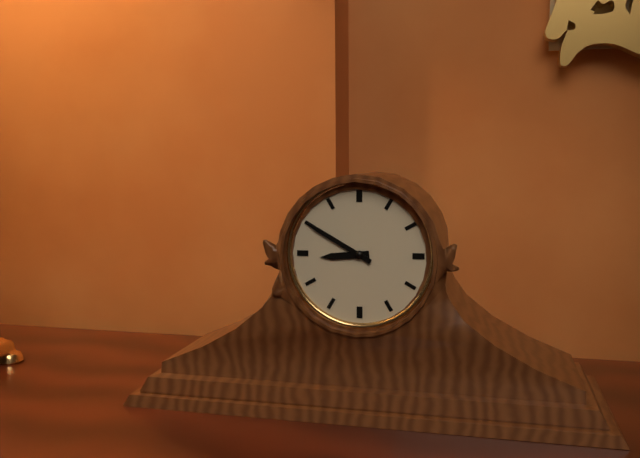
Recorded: **8:50**
